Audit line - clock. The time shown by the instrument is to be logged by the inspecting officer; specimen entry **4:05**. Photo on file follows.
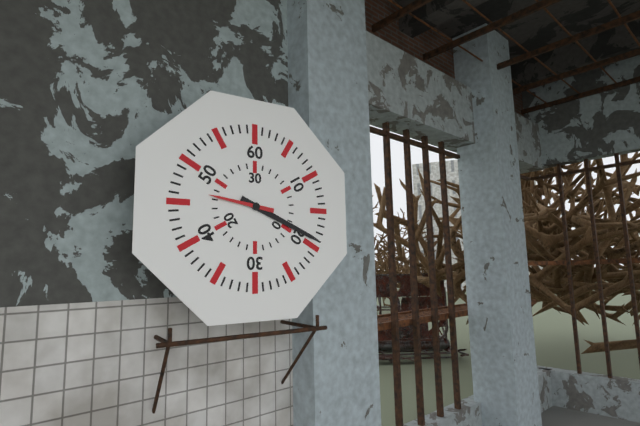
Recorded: **9:19**
